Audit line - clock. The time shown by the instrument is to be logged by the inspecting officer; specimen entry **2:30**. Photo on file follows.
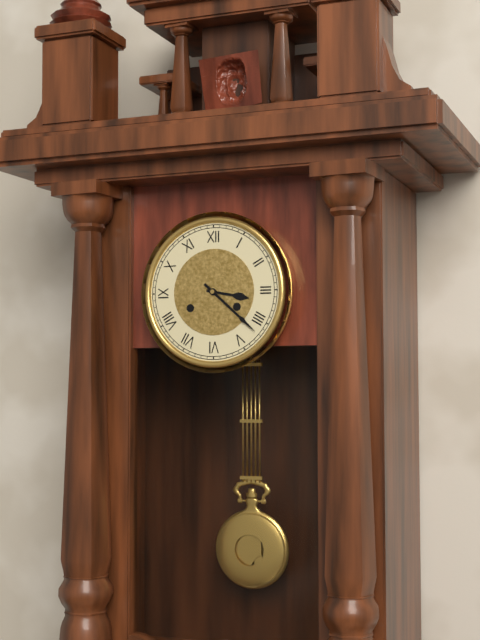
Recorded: **3:22**
